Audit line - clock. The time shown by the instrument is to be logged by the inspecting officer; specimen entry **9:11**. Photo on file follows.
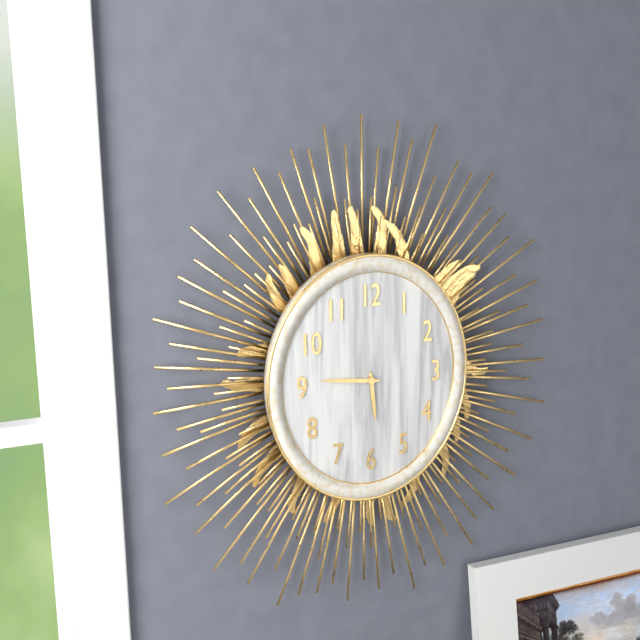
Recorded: **5:46**
